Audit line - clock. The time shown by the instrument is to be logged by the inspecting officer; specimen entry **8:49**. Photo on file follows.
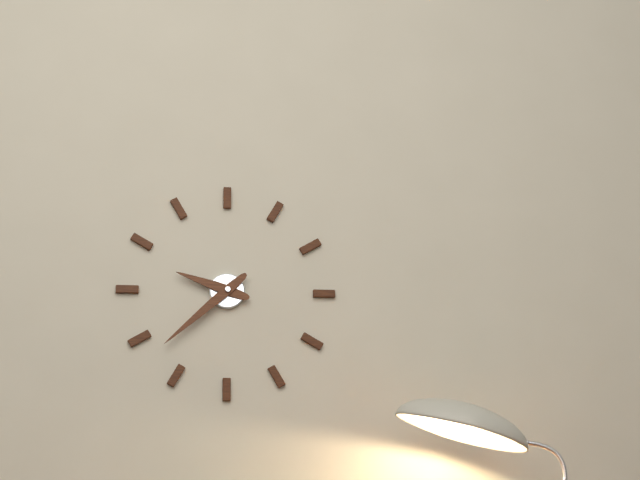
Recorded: **9:38**
